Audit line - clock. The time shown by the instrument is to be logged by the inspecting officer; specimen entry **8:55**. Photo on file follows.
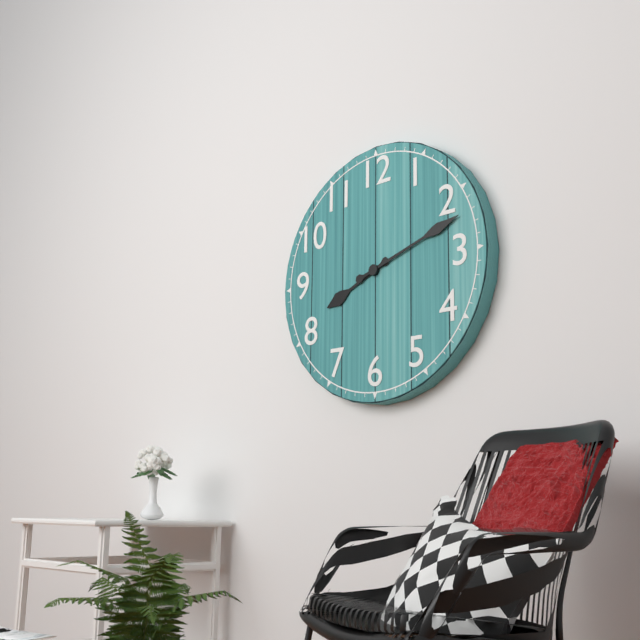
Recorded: **8:12**
